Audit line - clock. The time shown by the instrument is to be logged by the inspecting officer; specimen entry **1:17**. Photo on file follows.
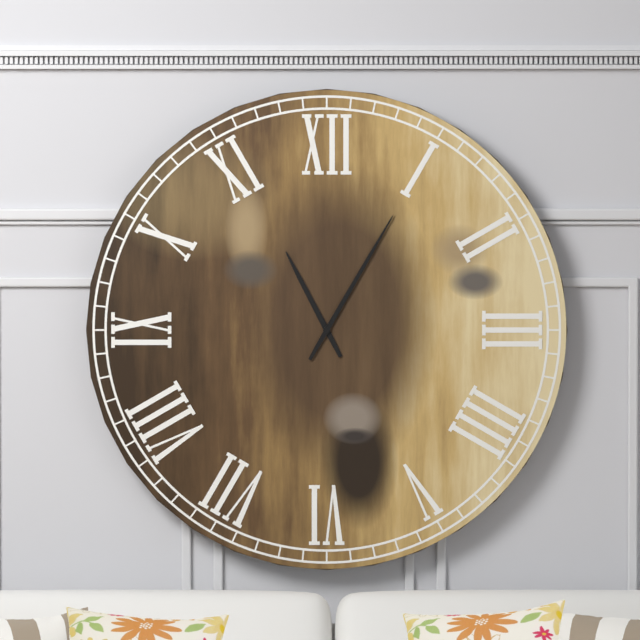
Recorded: **11:05**
